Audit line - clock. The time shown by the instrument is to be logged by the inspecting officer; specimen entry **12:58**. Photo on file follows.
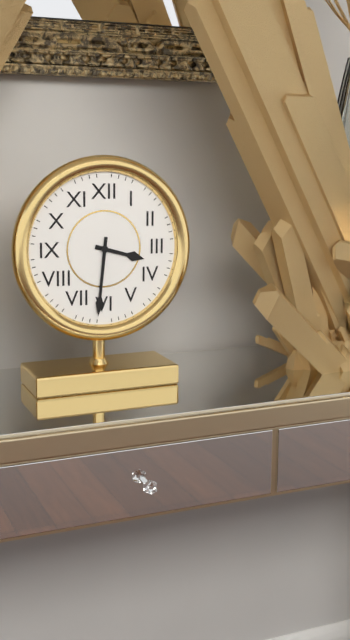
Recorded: **3:31**
